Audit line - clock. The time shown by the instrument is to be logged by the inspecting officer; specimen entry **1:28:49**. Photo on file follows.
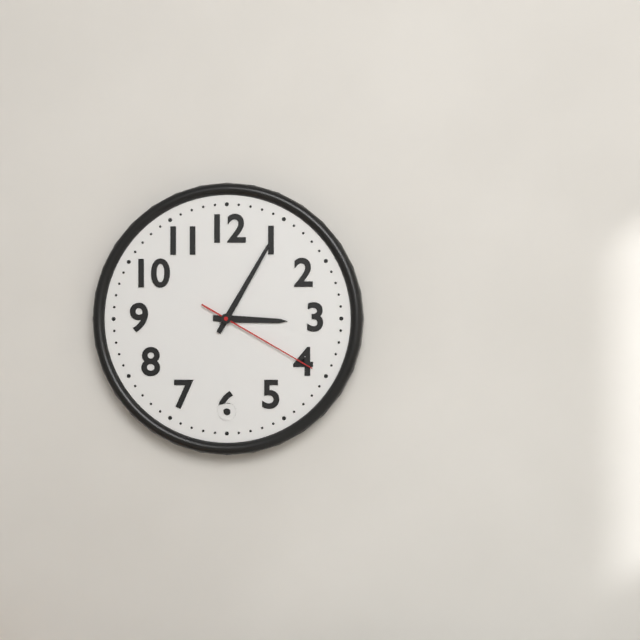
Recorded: **3:05:20**
